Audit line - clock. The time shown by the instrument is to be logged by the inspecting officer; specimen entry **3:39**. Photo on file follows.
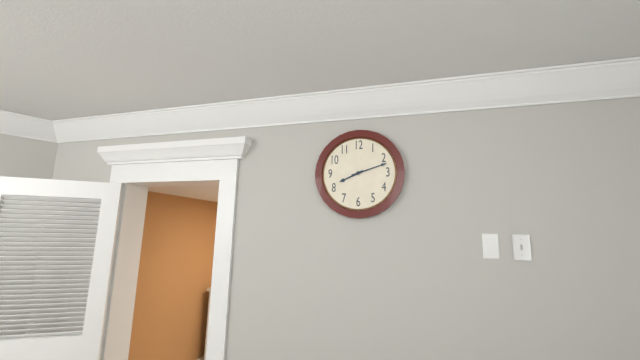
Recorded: **8:12**
